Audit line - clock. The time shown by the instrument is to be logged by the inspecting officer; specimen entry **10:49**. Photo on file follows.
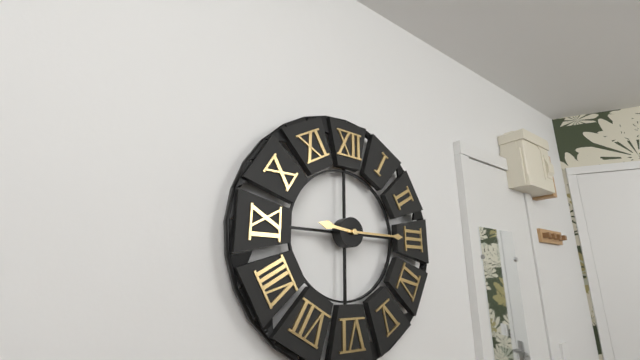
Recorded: **9:15**
